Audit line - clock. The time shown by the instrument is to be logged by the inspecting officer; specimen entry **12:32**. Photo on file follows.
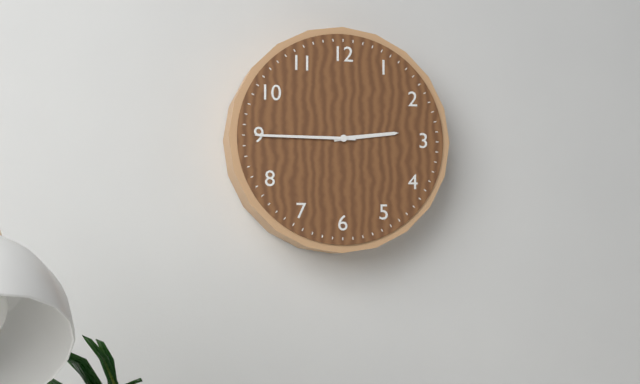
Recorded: **2:45**
